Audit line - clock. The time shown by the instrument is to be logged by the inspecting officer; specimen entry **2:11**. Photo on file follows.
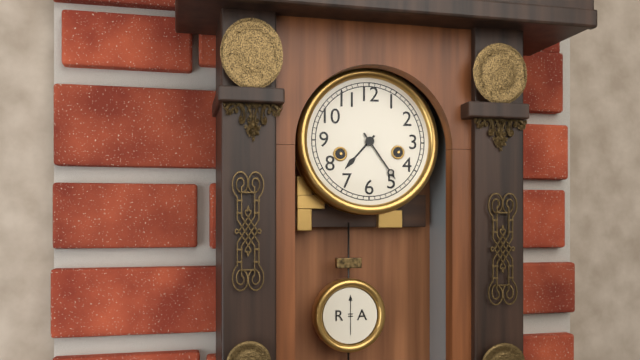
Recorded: **7:24**
